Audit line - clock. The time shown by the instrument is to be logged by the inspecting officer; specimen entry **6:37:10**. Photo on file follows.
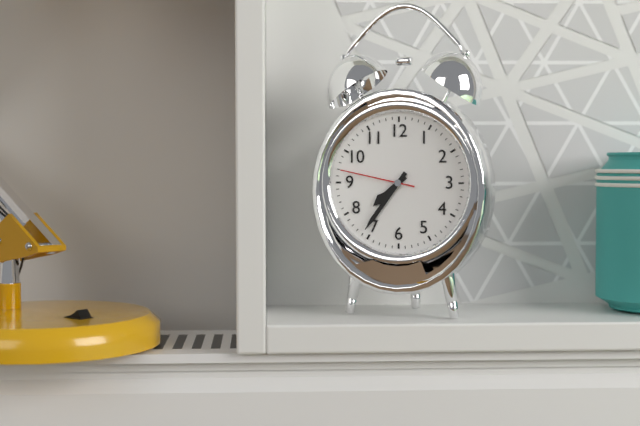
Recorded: **7:36:47**
